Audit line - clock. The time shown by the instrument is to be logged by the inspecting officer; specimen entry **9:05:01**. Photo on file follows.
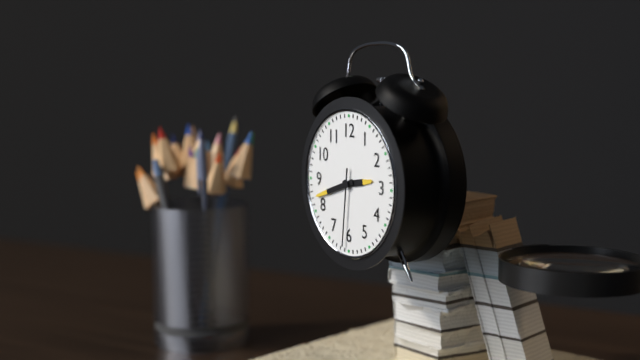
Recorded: **2:42:31**
